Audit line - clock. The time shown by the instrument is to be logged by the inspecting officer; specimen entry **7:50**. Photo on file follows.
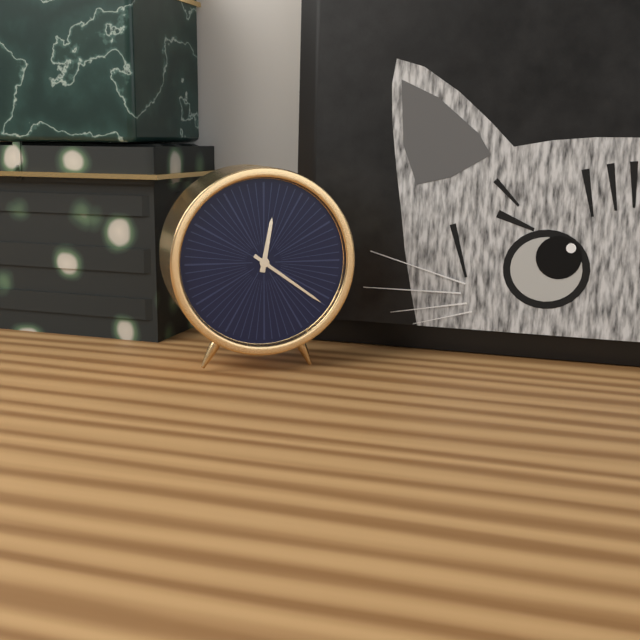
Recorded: **12:21**
